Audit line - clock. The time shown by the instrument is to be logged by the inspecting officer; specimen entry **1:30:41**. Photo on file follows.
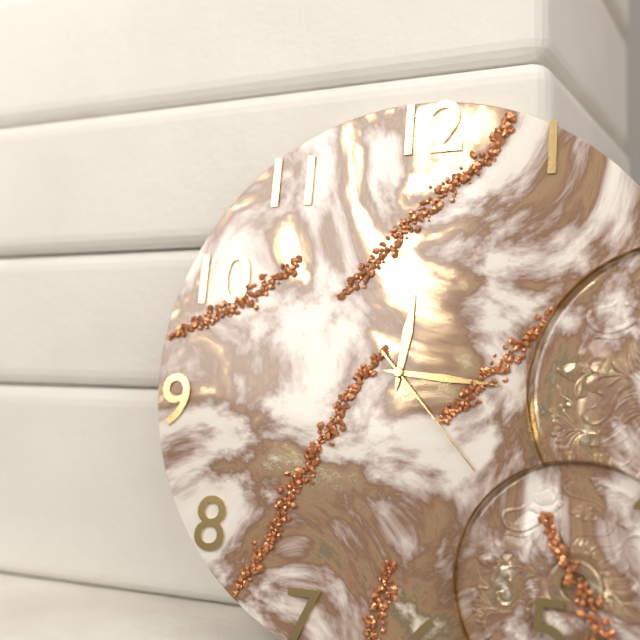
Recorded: **12:16:23**
